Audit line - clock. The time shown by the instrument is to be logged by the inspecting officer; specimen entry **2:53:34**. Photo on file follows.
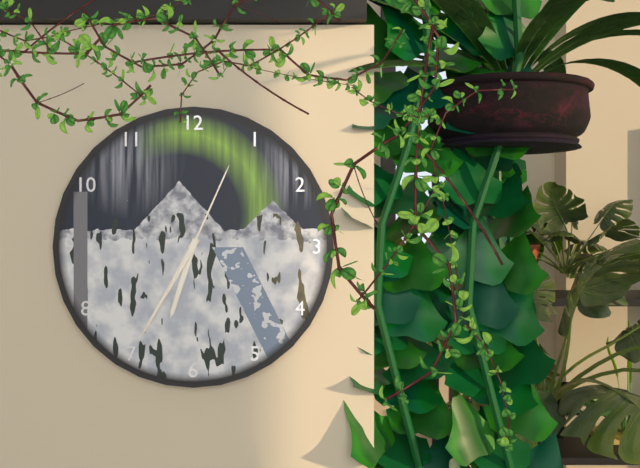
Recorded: **6:35:04**
